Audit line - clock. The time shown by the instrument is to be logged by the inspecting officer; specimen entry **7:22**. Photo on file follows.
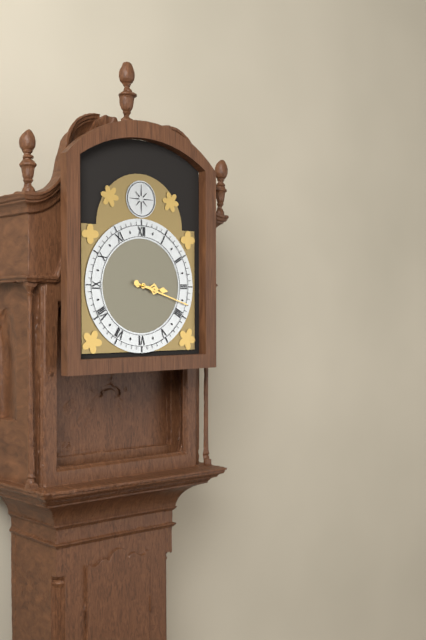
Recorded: **3:18**
